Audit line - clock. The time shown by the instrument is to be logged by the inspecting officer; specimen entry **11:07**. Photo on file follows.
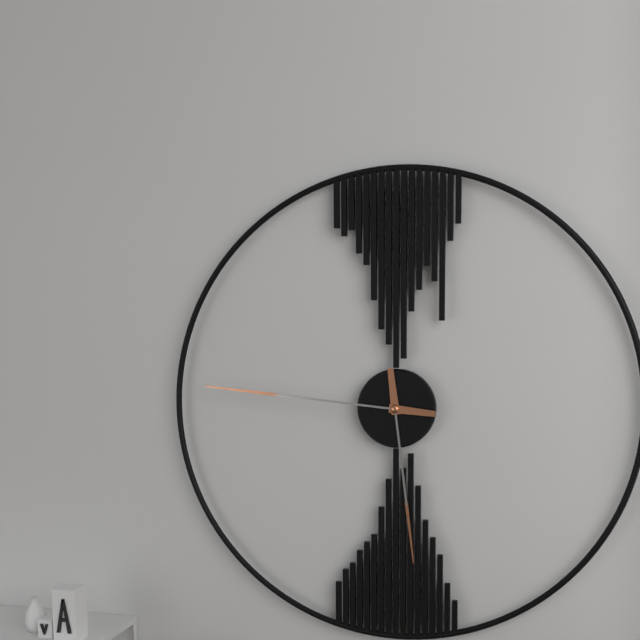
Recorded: **5:46**
